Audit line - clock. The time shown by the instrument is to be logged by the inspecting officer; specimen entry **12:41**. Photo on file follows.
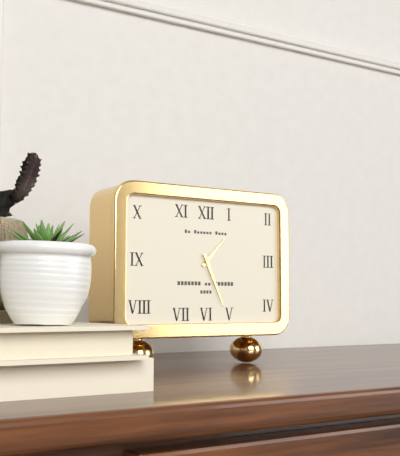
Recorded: **1:26**
